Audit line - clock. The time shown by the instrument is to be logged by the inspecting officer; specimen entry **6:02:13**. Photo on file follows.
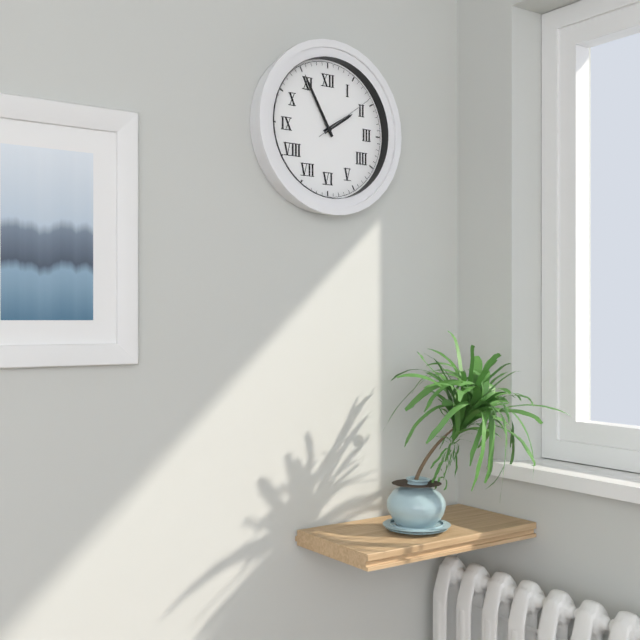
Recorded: **1:55:09**
